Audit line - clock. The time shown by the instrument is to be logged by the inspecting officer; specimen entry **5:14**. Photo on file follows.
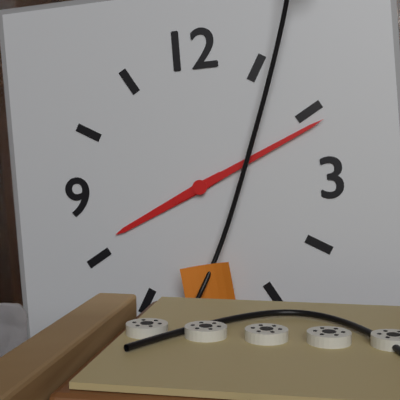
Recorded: **8:11**
